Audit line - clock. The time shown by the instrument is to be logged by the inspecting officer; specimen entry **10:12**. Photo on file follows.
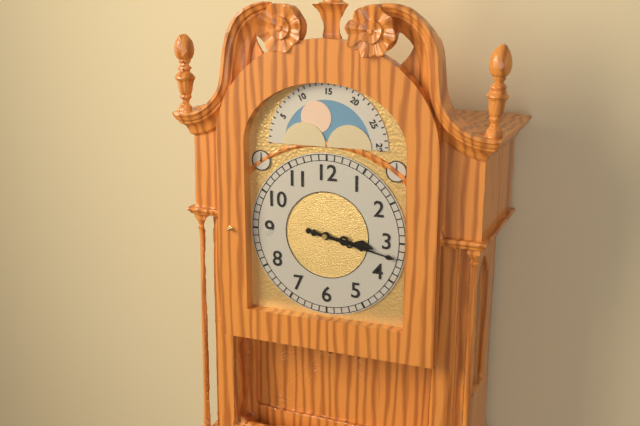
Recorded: **3:17**
